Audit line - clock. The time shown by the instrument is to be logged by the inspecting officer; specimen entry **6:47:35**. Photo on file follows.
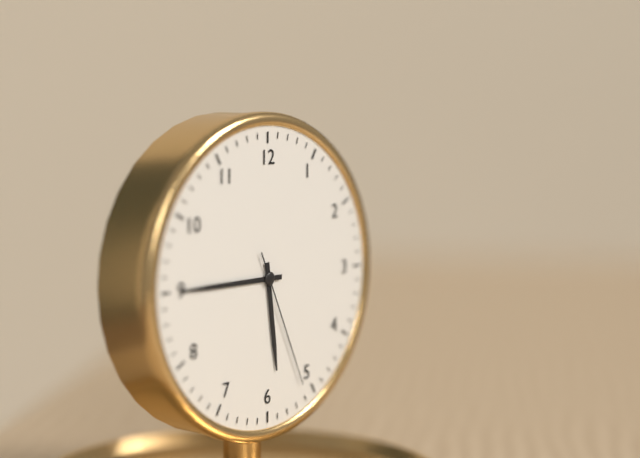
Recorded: **5:45:26**
